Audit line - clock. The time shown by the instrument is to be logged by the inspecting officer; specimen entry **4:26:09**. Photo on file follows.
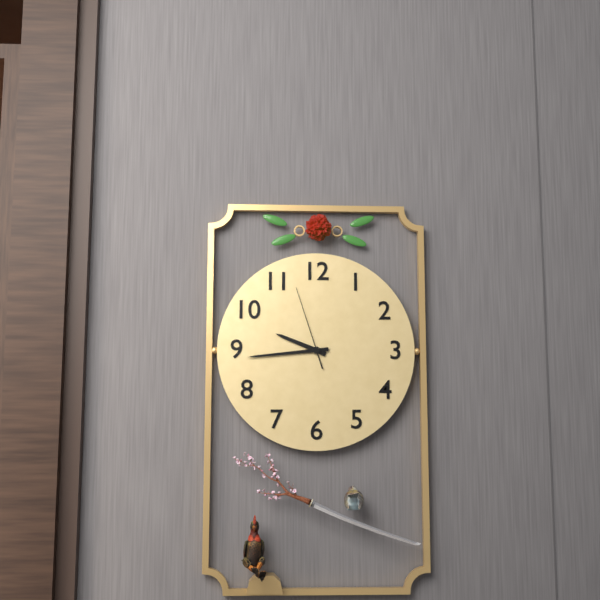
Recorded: **9:44:57**
